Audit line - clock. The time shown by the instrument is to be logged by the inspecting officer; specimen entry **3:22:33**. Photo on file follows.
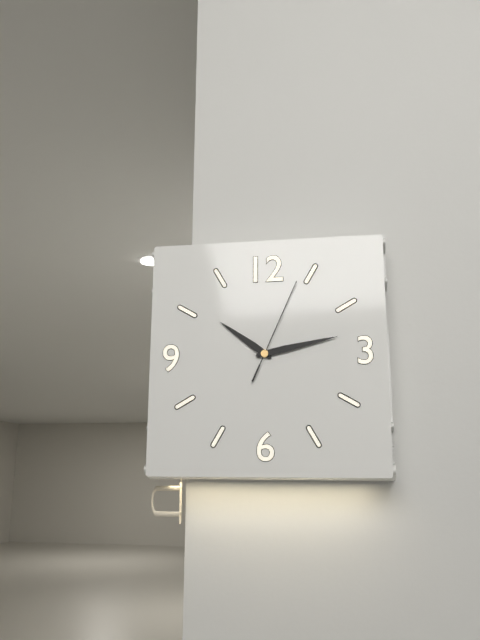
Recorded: **10:13:04**
